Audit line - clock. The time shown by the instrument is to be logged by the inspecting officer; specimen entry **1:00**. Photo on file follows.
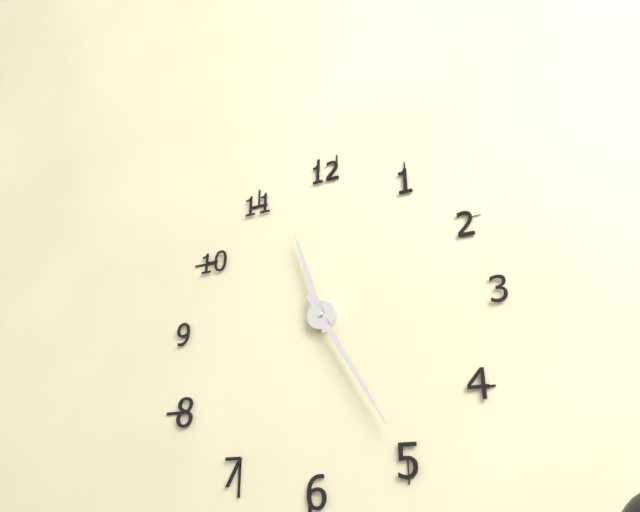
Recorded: **11:25**
